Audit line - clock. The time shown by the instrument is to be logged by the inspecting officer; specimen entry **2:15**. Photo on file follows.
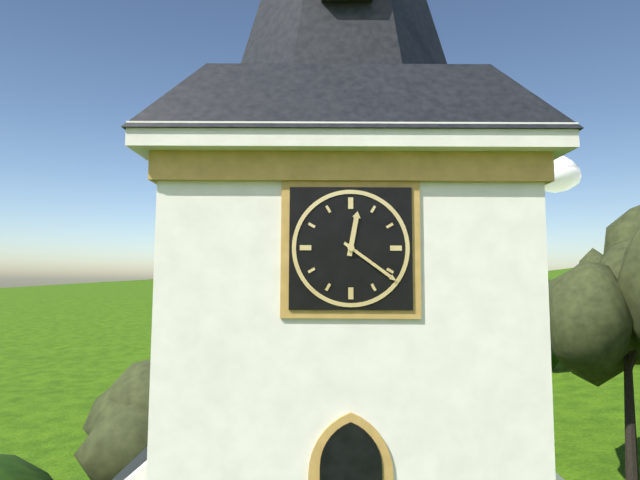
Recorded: **12:21**
